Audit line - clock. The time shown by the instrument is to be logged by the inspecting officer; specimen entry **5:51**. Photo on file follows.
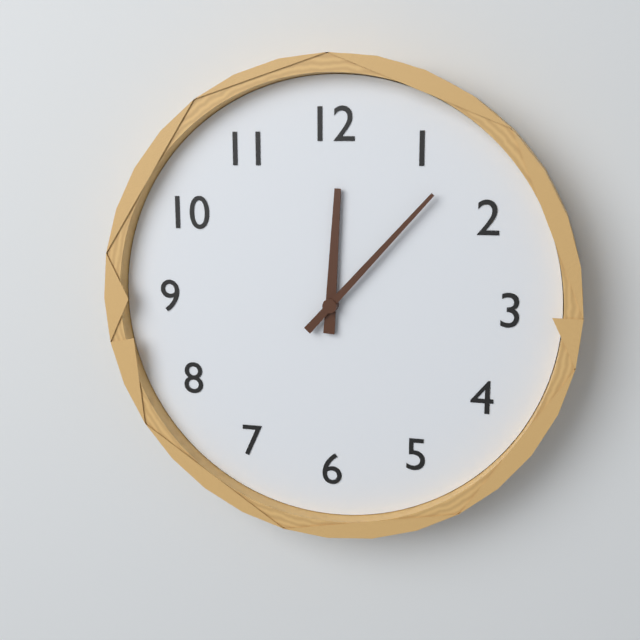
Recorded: **12:07**
